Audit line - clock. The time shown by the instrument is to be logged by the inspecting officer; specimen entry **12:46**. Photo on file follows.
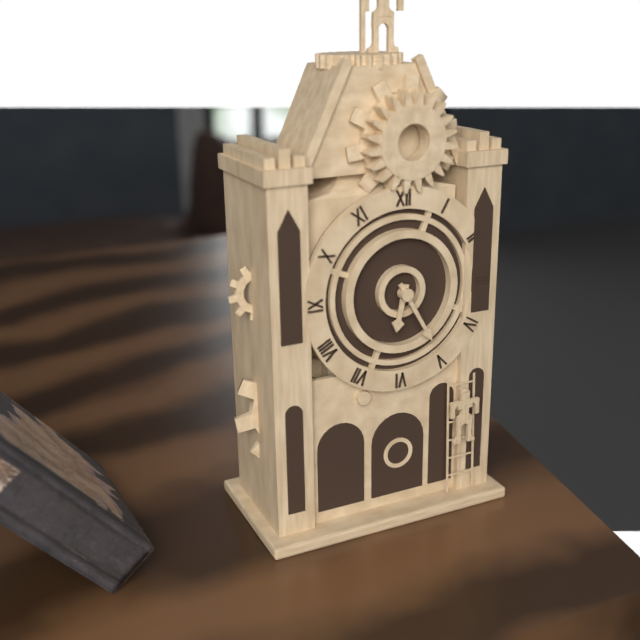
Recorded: **6:25**
